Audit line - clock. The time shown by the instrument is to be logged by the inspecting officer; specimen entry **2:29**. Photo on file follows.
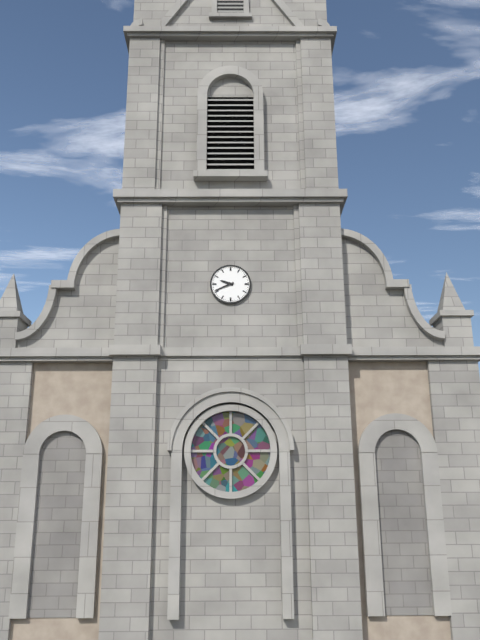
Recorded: **9:41**
